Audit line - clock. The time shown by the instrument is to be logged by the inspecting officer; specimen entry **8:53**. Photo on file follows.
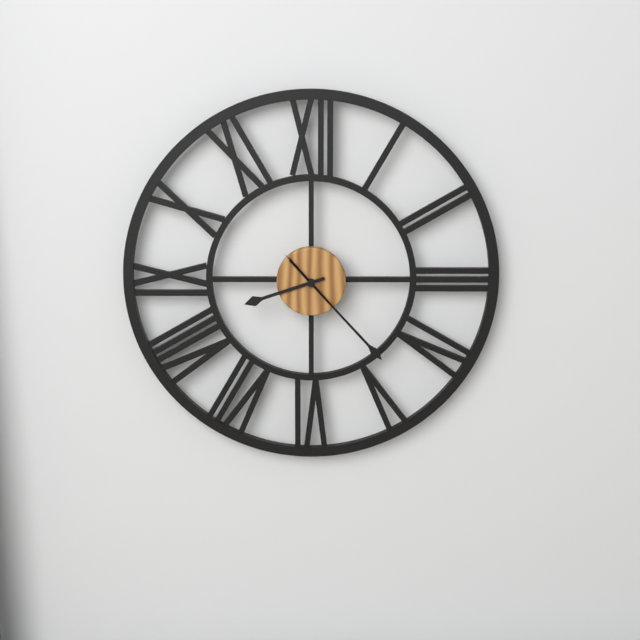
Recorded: **8:23**
